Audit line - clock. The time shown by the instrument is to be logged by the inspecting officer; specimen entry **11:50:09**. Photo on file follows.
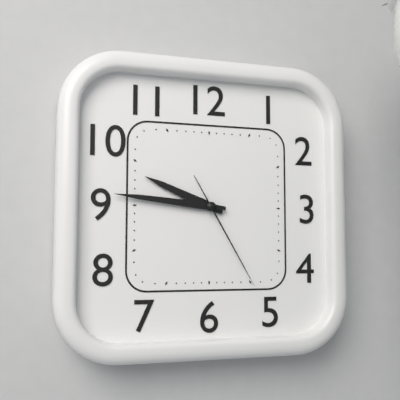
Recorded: **9:46:25**
